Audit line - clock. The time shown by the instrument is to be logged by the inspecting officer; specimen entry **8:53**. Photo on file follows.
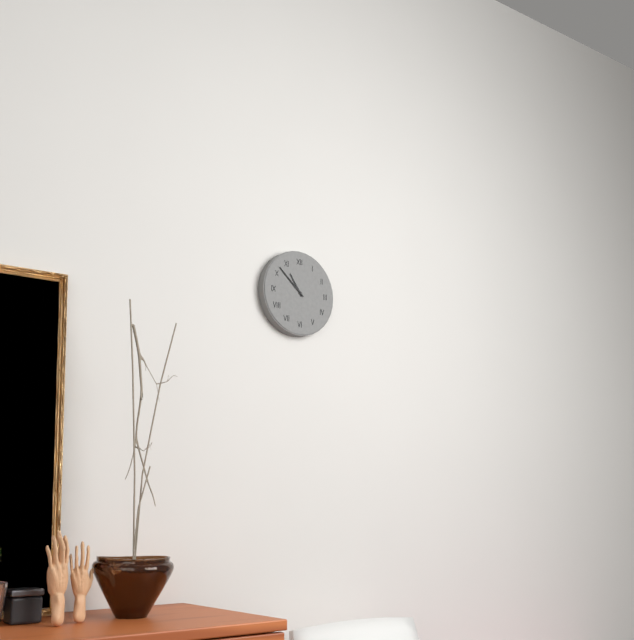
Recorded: **10:52**
